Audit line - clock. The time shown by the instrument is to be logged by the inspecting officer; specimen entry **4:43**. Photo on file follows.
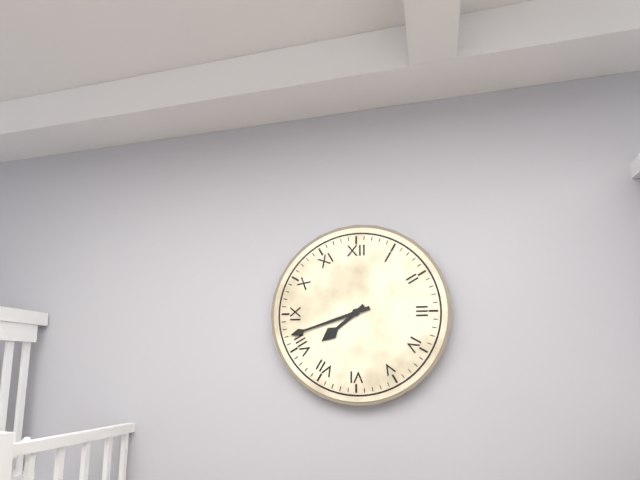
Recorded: **7:42**
